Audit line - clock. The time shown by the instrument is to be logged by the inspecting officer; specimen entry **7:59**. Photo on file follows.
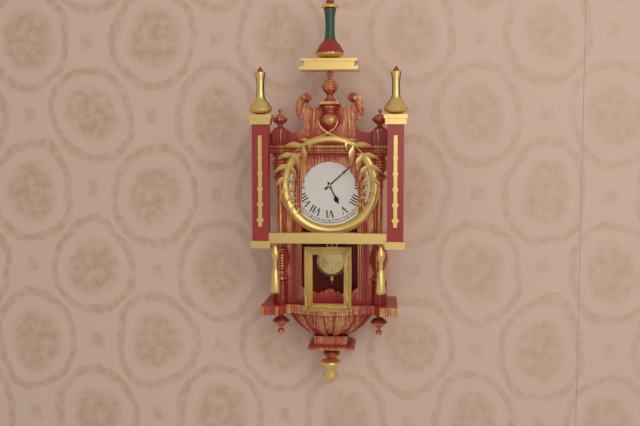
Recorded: **5:08**
